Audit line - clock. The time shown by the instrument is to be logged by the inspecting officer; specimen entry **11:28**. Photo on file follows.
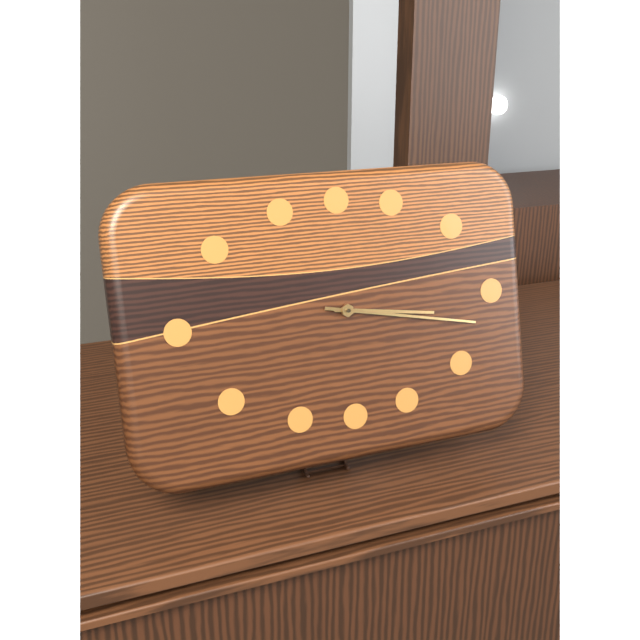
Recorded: **3:17**
